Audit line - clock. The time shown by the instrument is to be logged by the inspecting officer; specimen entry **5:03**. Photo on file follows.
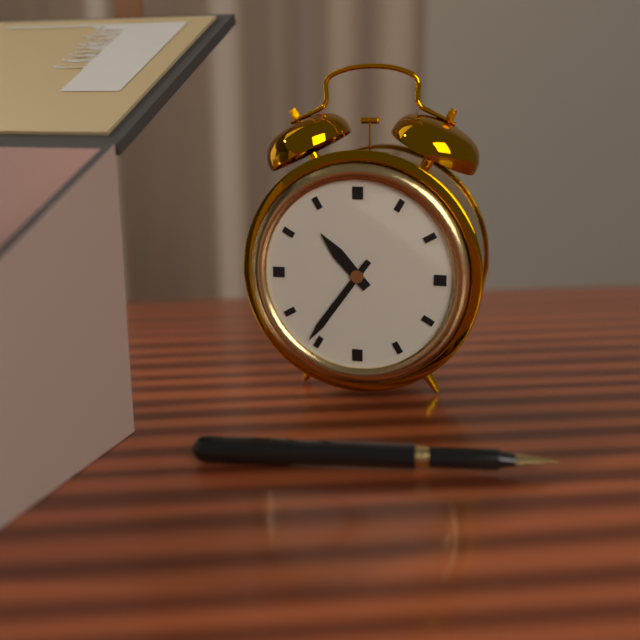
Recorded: **10:36**
